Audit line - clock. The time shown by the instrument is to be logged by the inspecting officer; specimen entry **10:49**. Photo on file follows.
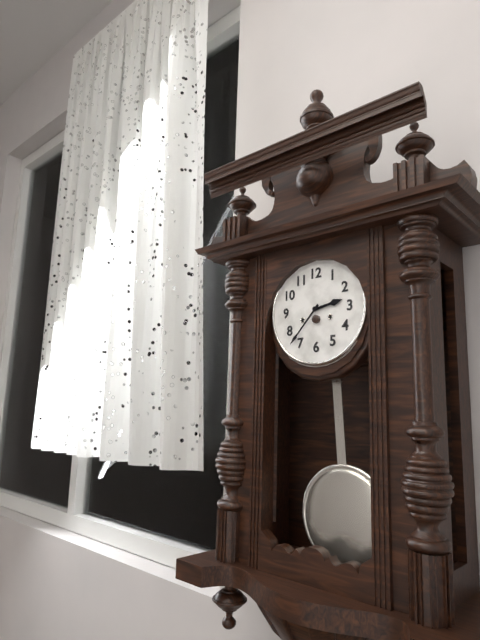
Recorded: **2:37**
